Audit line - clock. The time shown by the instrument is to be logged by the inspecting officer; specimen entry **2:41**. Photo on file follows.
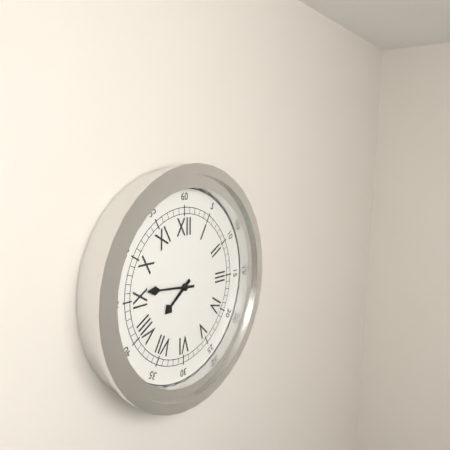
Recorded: **7:46**
